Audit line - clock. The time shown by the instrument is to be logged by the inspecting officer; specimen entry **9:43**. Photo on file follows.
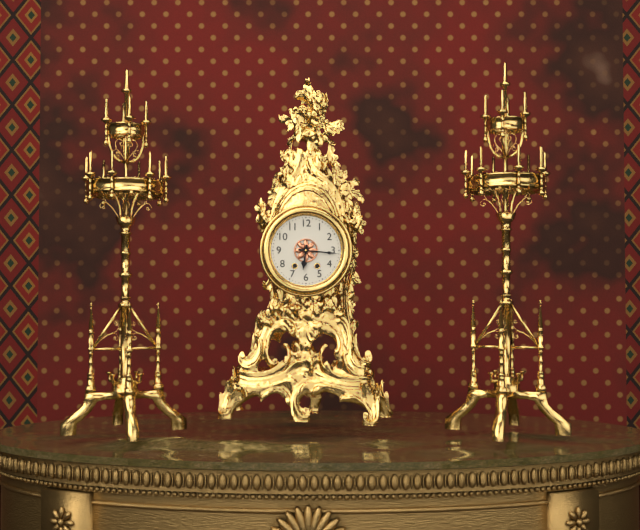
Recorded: **6:16**
